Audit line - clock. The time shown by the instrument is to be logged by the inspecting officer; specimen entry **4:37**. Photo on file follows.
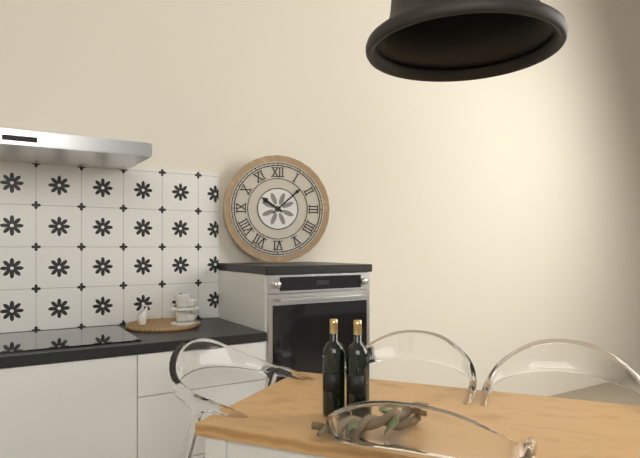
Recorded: **10:08**
